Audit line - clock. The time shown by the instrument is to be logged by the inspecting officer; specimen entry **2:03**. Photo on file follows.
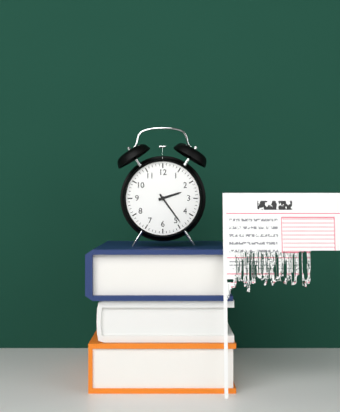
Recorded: **2:24**
